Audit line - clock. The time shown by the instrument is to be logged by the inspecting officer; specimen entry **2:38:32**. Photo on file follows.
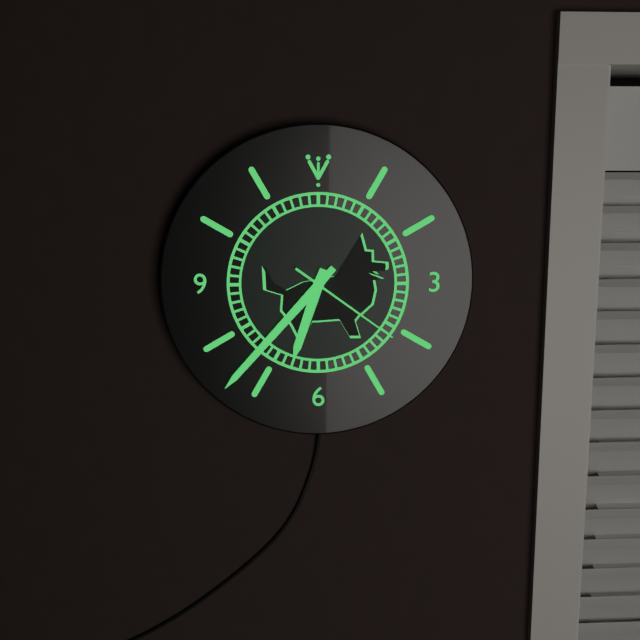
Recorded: **6:37:21**
